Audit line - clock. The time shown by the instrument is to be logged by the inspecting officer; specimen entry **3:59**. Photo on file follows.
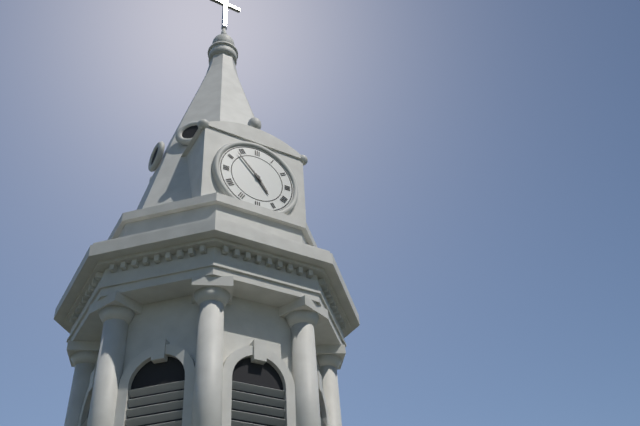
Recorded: **4:53**
